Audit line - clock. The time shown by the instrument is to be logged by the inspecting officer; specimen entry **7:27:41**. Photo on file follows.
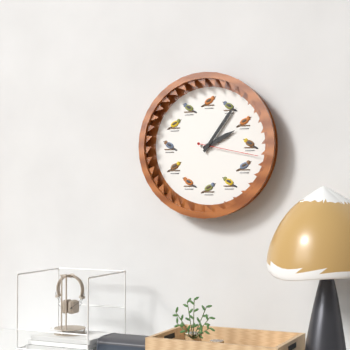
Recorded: **2:06:17**
